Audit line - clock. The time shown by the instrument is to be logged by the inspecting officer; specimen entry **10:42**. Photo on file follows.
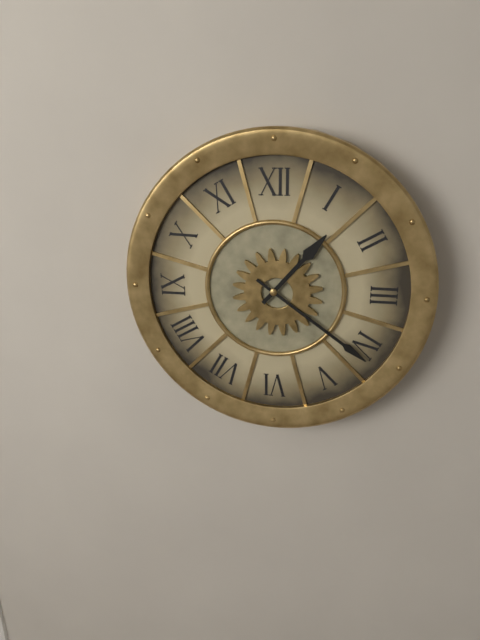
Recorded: **1:21**
